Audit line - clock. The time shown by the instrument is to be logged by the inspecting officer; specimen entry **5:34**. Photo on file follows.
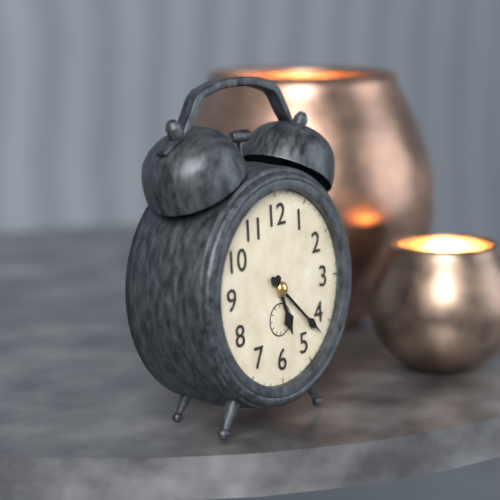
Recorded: **5:22**
